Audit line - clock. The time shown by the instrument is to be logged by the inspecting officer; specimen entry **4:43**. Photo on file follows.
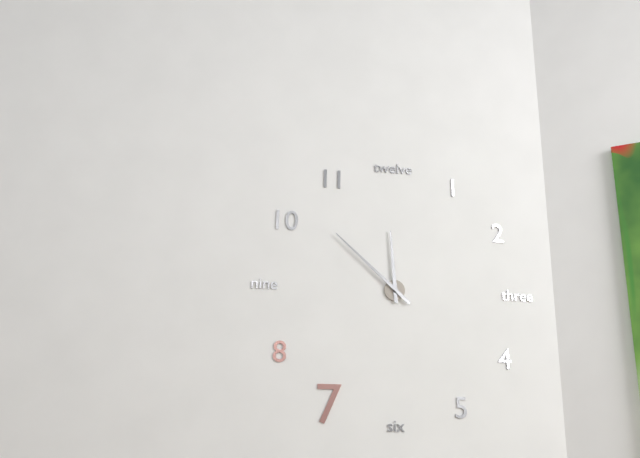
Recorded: **11:52**
